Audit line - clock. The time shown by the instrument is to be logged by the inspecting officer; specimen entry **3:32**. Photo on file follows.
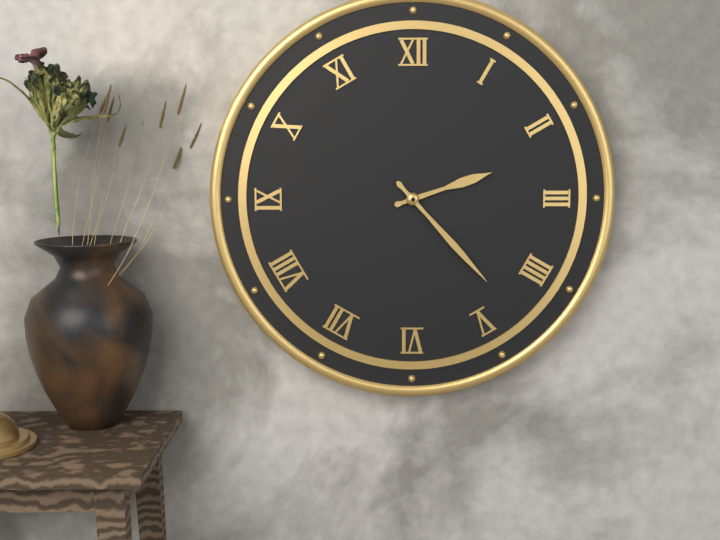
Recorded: **2:23**
